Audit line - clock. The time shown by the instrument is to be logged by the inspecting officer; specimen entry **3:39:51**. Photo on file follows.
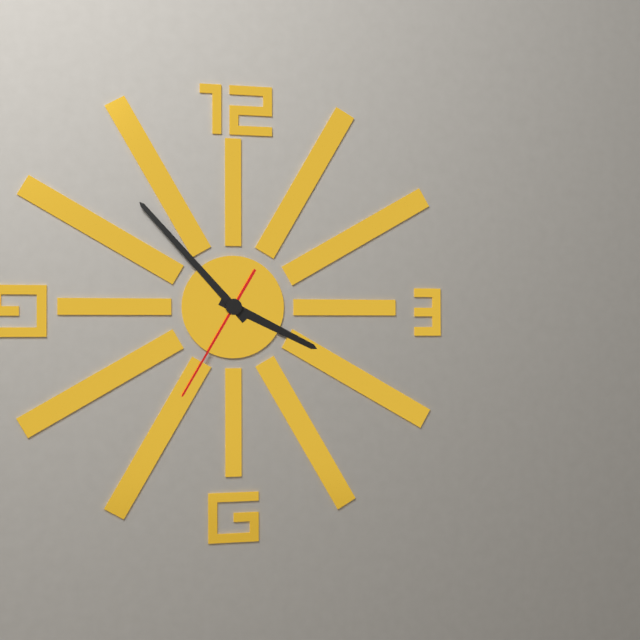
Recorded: **3:53:35**
